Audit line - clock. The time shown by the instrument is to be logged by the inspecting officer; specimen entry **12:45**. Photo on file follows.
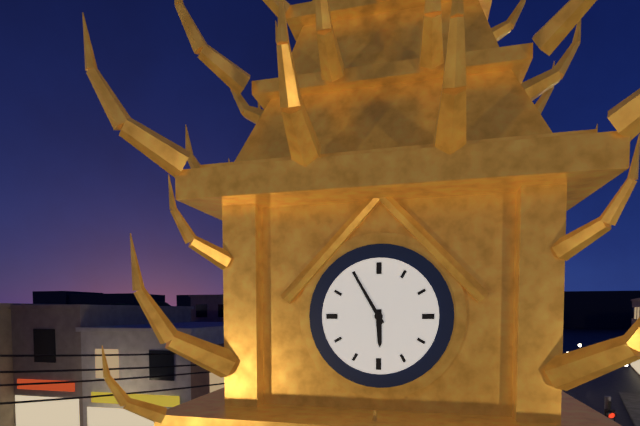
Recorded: **5:55**
